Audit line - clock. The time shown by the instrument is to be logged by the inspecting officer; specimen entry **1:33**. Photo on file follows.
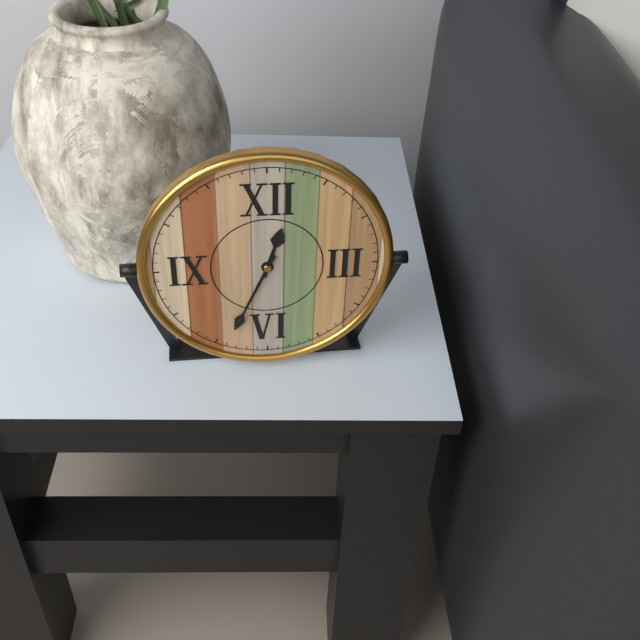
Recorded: **12:34**
